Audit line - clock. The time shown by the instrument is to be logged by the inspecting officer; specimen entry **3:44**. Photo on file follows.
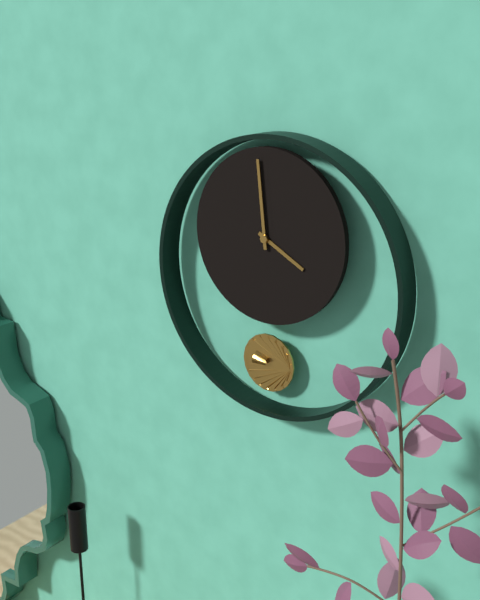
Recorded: **3:59**
